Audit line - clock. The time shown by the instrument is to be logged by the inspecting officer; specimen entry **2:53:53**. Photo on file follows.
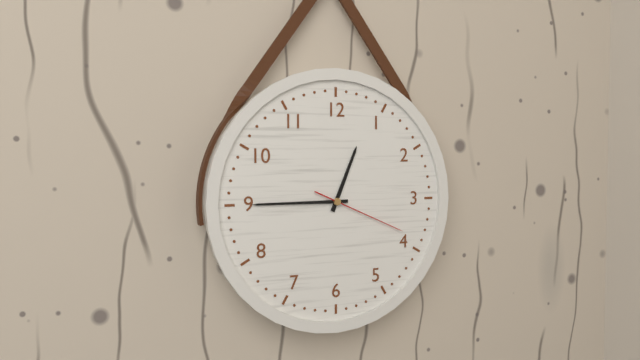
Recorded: **12:45:19**
